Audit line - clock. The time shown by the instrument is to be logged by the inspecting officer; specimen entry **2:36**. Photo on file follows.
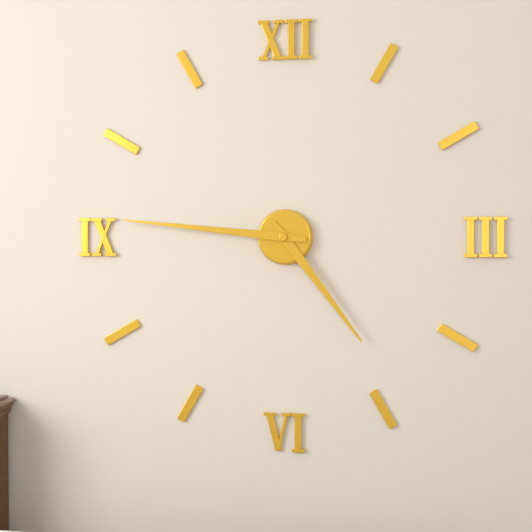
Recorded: **4:46**
